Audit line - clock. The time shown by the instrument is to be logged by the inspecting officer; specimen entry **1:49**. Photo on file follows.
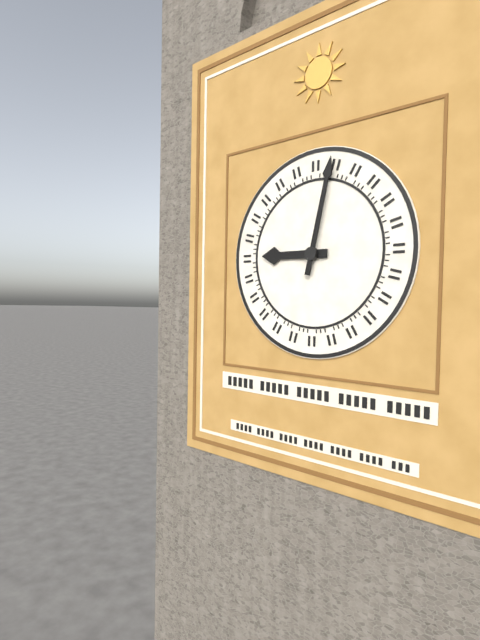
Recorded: **9:02**
